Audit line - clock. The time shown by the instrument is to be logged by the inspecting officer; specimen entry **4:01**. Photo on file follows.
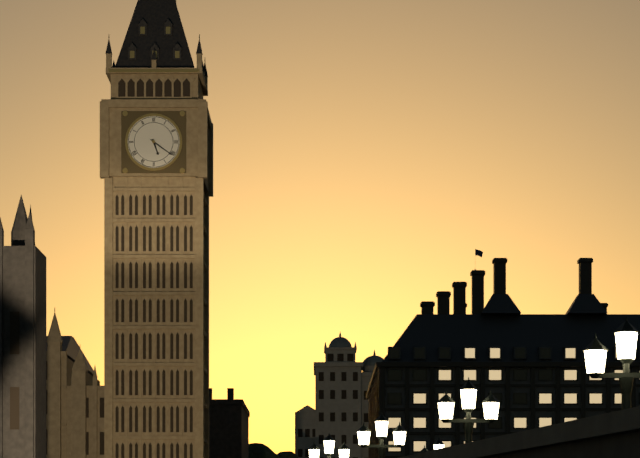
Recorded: **5:21**
